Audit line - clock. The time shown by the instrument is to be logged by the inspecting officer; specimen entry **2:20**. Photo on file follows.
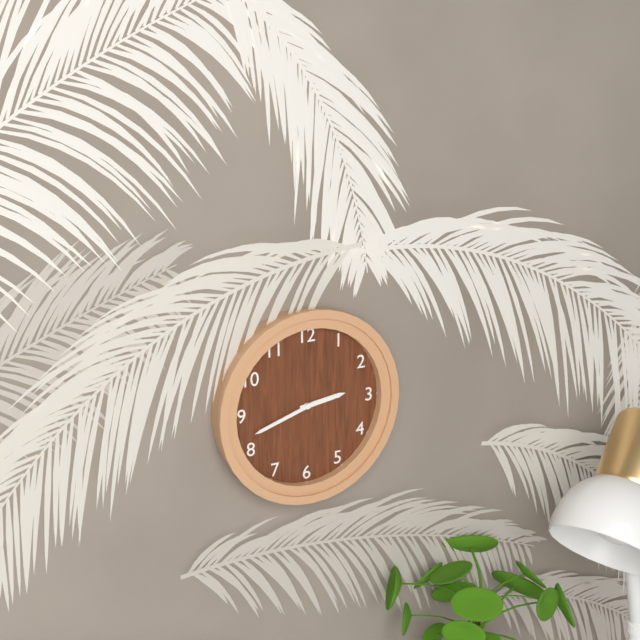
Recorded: **2:42**
